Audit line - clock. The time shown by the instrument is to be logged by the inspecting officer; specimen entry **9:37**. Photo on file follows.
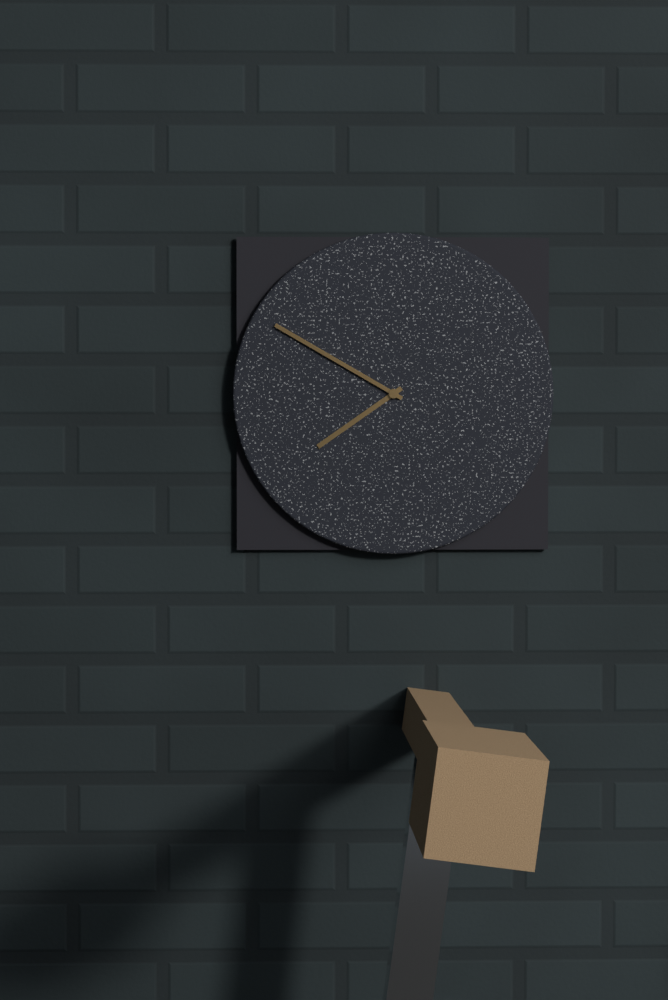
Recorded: **7:50**
